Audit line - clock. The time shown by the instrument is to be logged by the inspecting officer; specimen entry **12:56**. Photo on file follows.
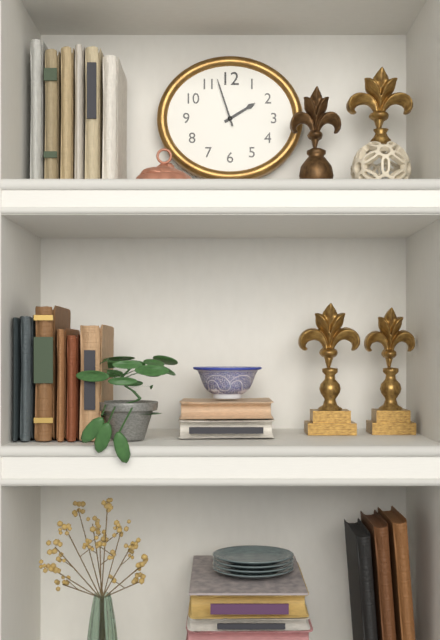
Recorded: **1:57**
